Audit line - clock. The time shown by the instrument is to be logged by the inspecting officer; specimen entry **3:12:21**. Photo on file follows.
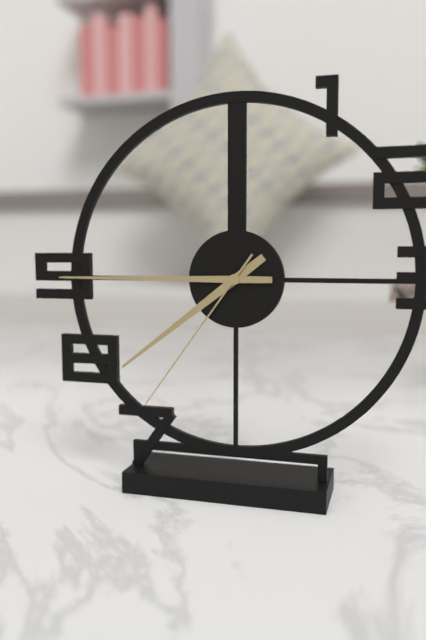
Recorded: **7:45:36**
